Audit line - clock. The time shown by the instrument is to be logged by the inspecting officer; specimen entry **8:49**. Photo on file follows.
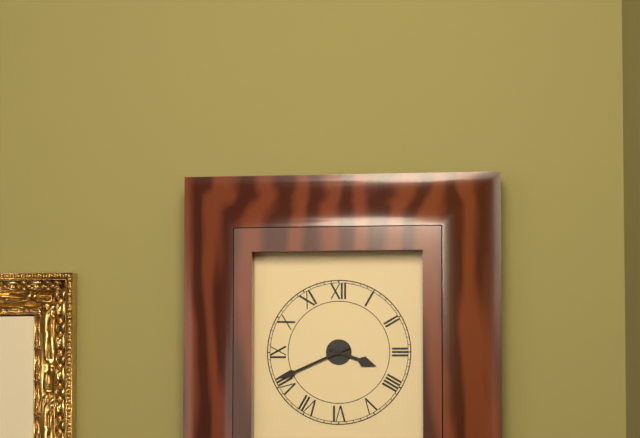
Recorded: **3:41**
